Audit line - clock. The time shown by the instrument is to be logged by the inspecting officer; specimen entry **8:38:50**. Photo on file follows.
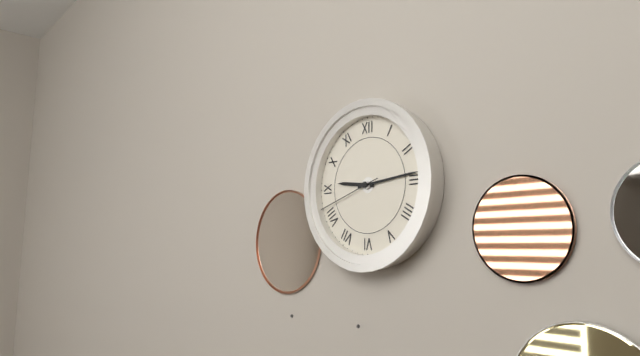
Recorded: **9:14:42**
